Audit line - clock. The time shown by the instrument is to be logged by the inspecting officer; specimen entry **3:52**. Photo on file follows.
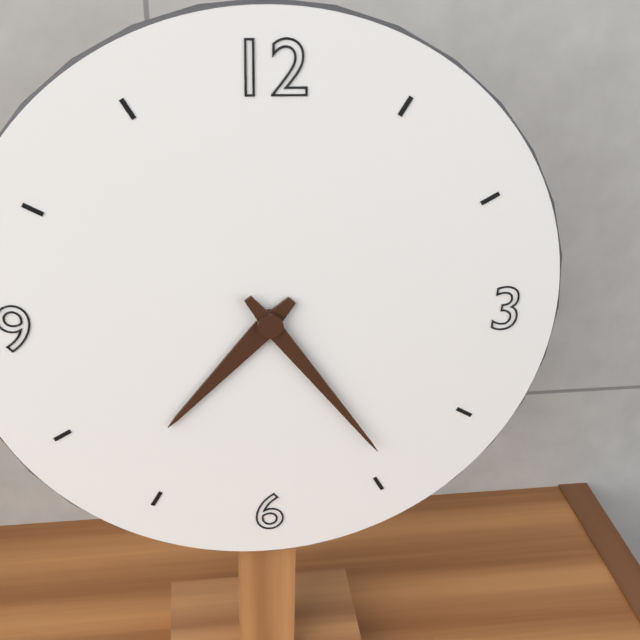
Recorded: **7:24**
